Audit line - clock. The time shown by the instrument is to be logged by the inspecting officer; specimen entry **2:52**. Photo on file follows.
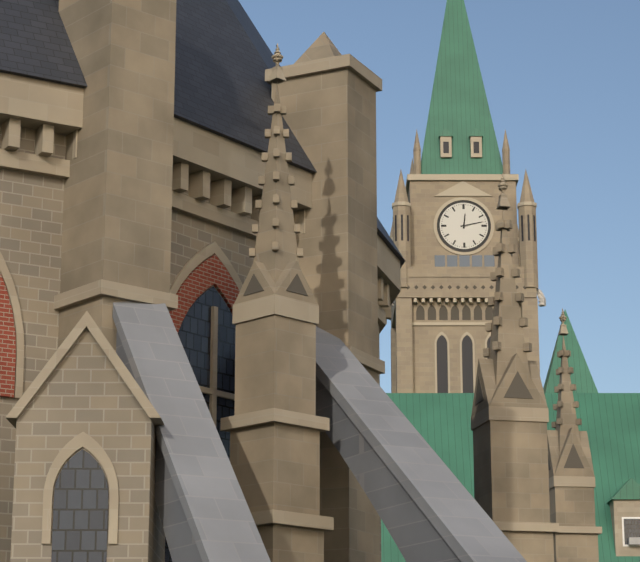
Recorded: **12:13**
